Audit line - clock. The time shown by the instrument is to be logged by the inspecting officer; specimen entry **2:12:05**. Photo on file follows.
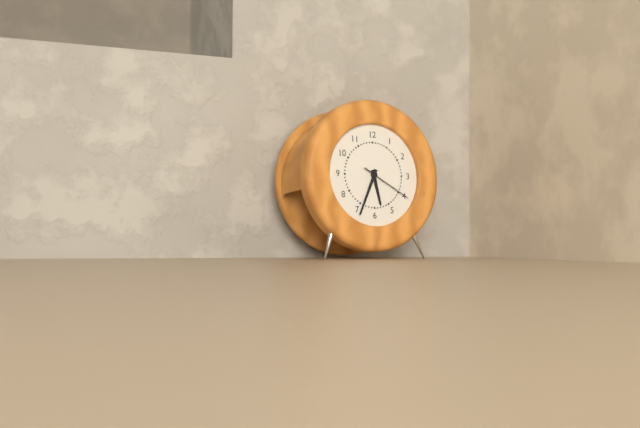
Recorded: **5:34:20**
